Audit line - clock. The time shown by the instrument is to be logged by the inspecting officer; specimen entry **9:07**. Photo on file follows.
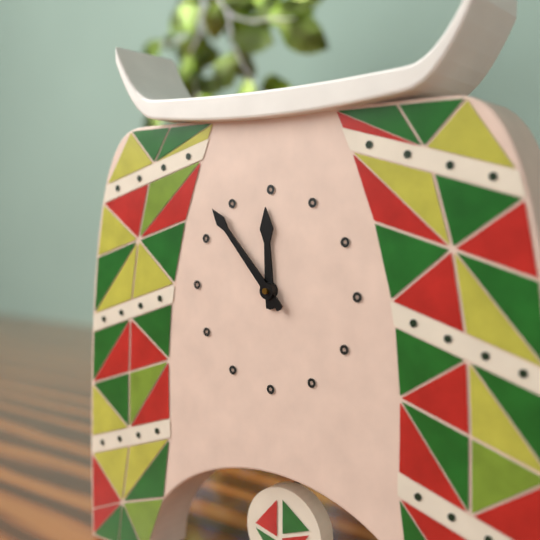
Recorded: **11:53**
